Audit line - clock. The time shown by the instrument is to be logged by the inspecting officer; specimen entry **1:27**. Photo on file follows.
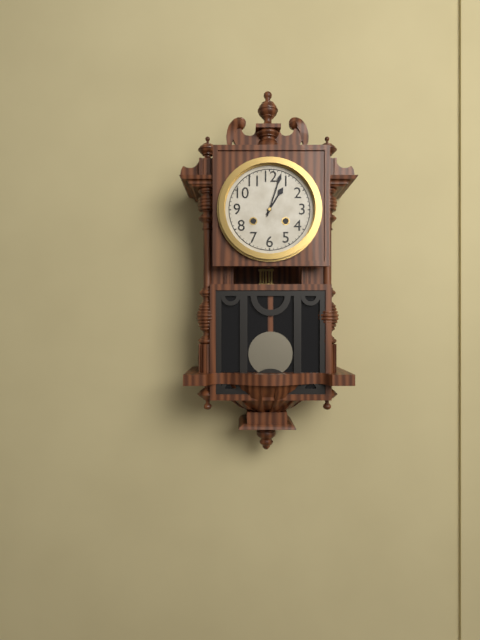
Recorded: **1:03**
